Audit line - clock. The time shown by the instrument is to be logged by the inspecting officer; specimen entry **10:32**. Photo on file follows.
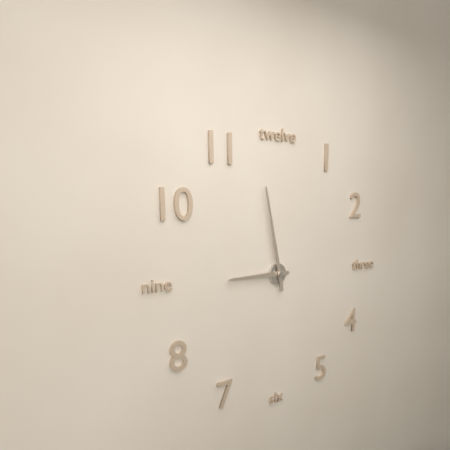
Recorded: **8:58**
